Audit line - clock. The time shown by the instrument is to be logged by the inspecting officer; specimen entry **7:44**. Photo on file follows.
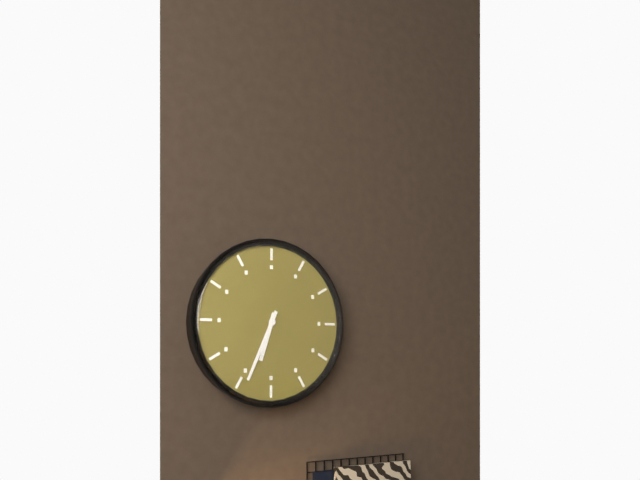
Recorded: **6:34**
